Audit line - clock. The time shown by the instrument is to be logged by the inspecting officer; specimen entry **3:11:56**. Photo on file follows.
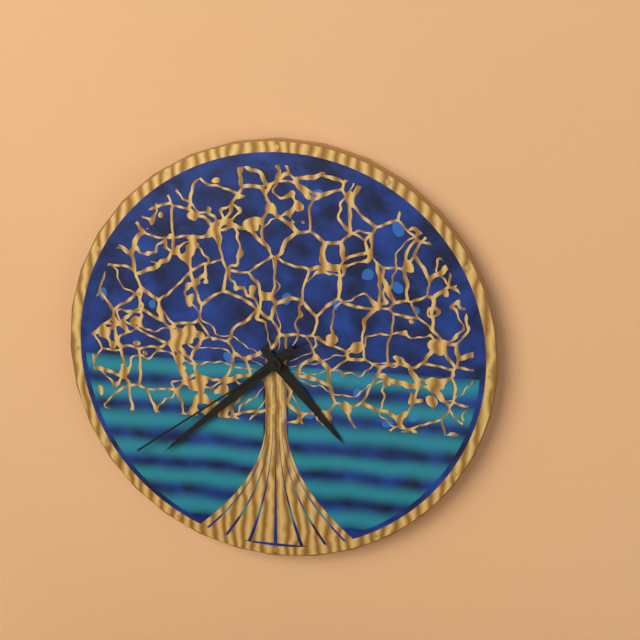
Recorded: **4:38:39**
